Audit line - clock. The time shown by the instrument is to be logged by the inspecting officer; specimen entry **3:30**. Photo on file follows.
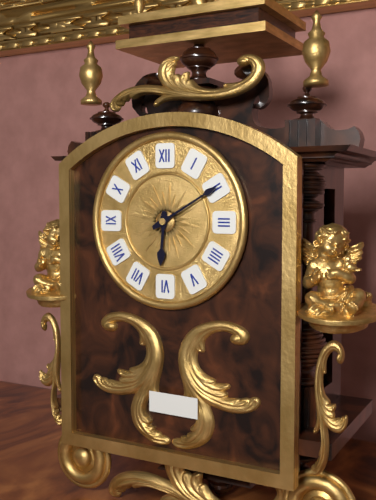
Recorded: **6:10**
